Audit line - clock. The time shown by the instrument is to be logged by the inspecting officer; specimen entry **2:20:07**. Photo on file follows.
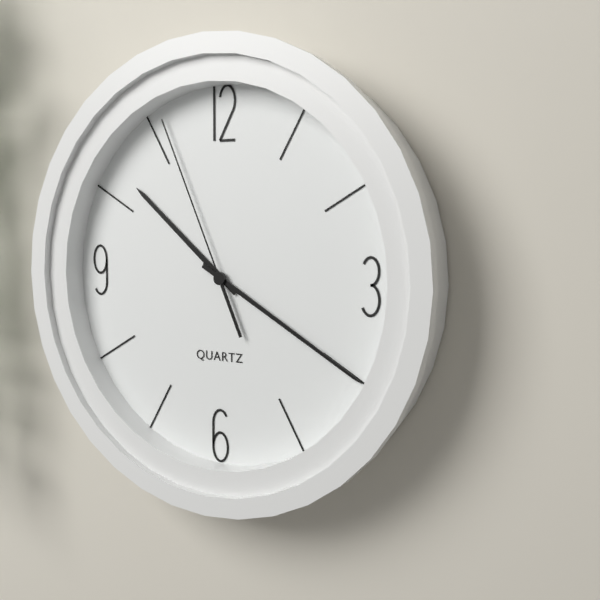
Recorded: **10:20:56**
